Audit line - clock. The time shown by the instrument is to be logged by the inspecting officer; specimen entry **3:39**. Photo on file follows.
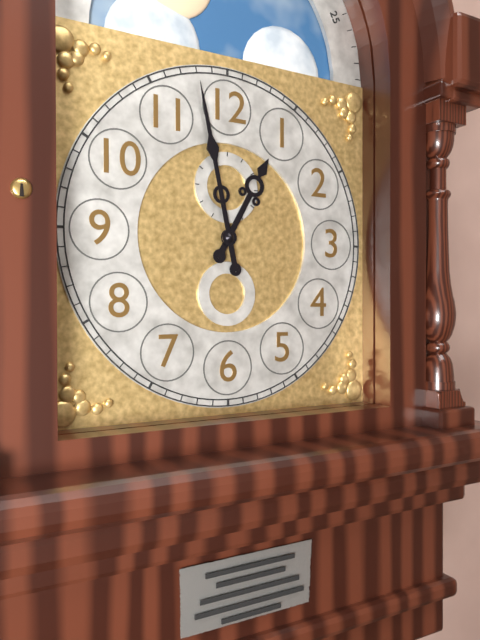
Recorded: **12:58**
